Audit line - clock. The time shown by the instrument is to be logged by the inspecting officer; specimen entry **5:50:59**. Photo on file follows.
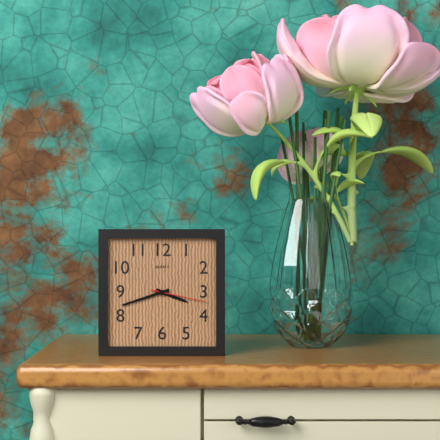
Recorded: **3:42:17**
